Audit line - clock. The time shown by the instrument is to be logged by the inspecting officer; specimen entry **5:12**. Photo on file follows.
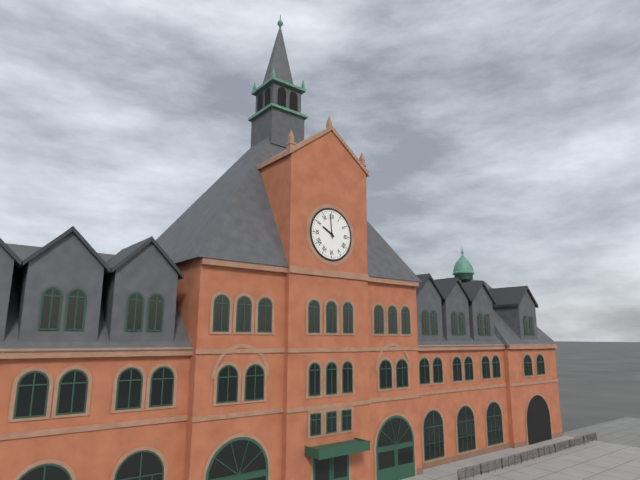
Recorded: **9:59**
